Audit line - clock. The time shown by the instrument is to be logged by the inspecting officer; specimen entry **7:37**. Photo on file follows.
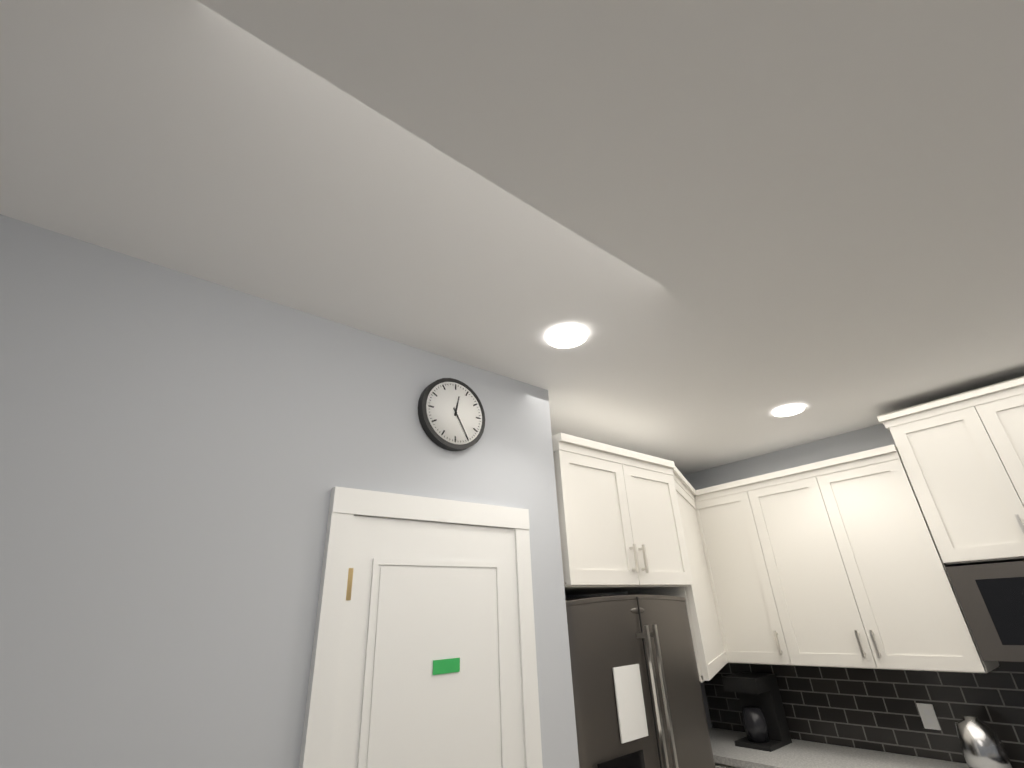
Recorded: **12:25**
